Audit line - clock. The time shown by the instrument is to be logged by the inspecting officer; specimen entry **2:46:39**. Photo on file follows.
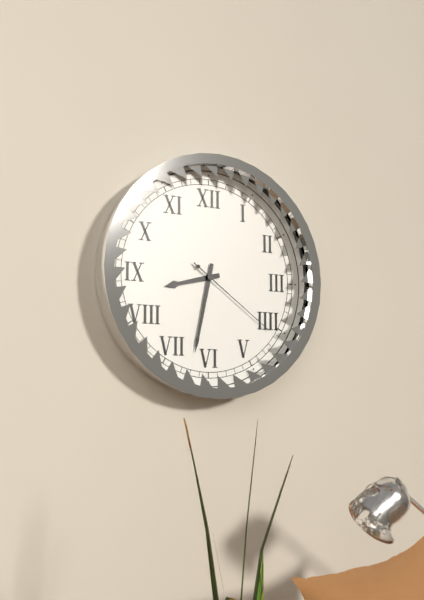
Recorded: **8:32:21**
